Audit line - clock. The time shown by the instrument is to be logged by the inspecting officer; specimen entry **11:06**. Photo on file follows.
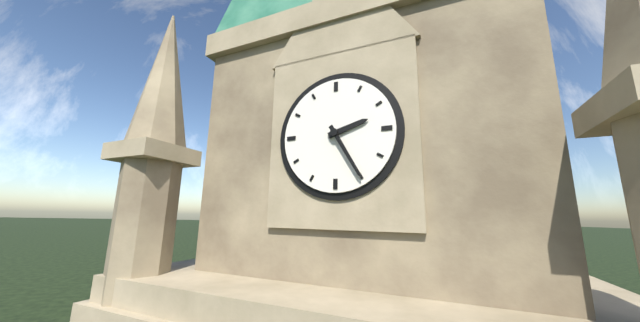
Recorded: **2:25**
